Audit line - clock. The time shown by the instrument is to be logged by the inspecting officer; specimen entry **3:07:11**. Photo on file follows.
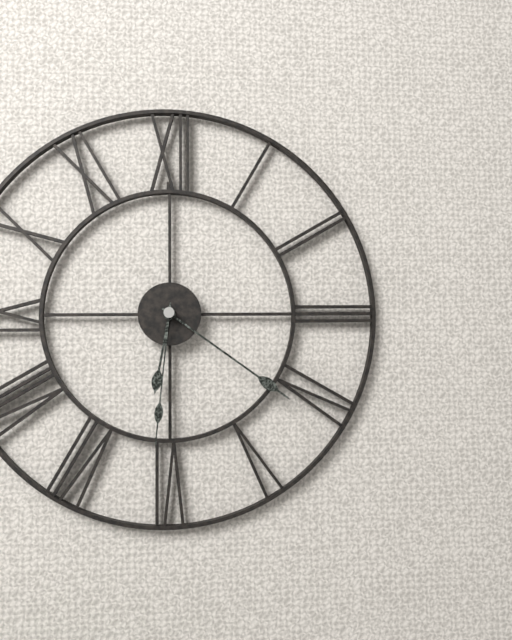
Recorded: **6:21:31**
